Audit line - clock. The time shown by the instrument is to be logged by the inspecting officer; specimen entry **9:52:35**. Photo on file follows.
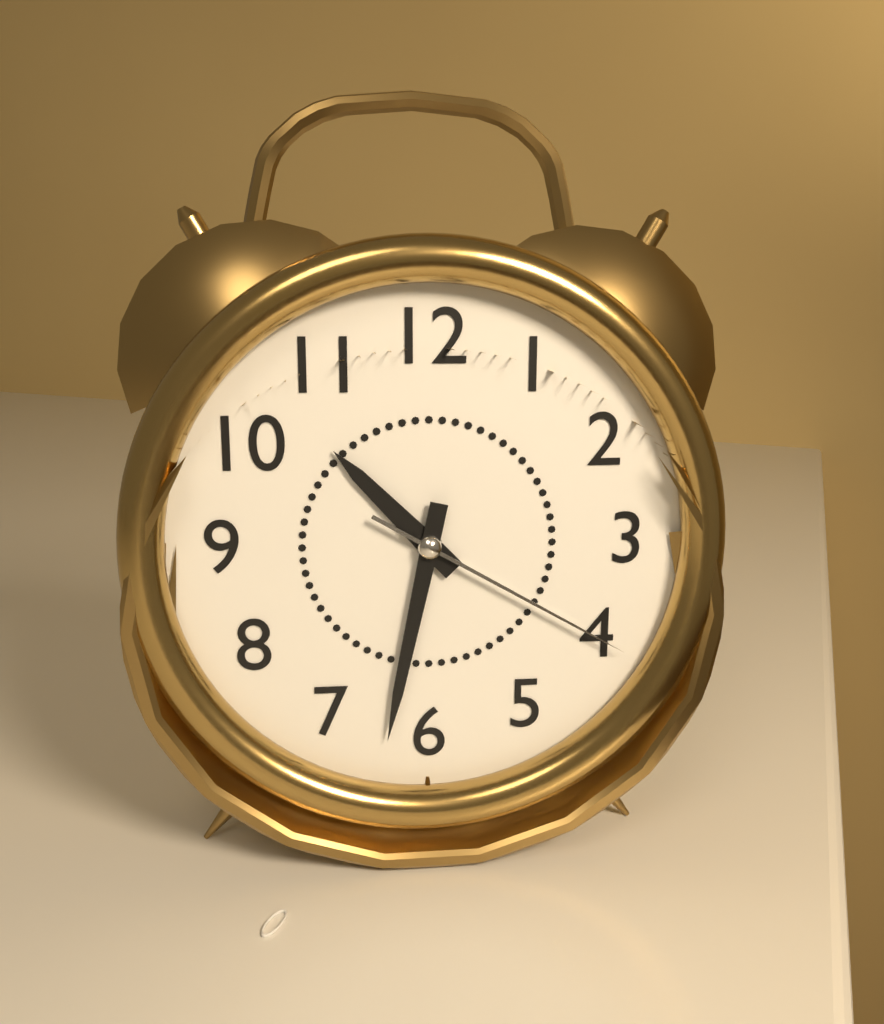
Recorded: **10:32:20**
